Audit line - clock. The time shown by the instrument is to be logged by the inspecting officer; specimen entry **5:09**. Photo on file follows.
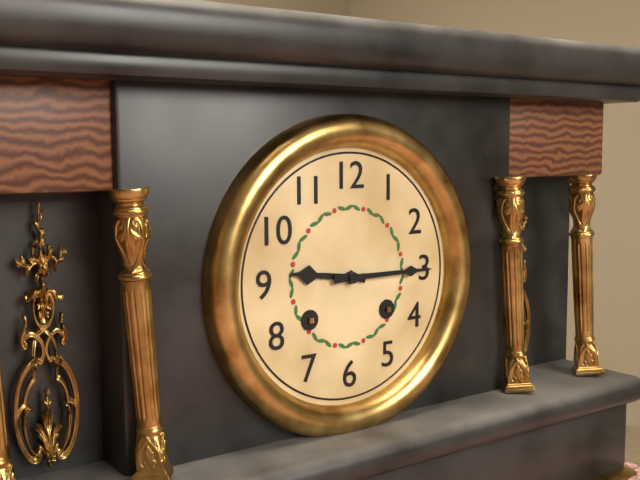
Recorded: **9:15**
